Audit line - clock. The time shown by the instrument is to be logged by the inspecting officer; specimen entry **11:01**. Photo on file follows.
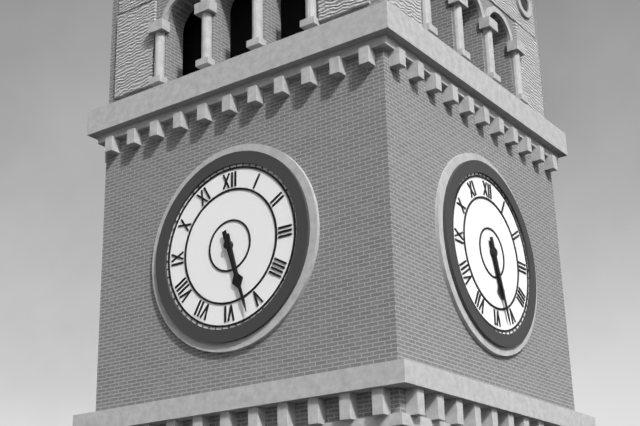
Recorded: **5:27**
